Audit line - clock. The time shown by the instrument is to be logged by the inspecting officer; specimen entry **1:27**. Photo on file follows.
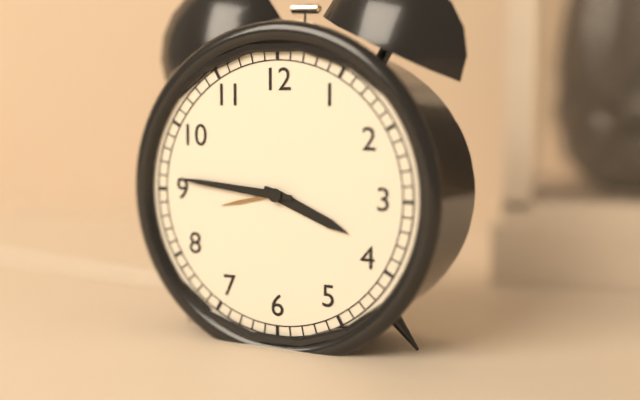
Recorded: **3:46**
